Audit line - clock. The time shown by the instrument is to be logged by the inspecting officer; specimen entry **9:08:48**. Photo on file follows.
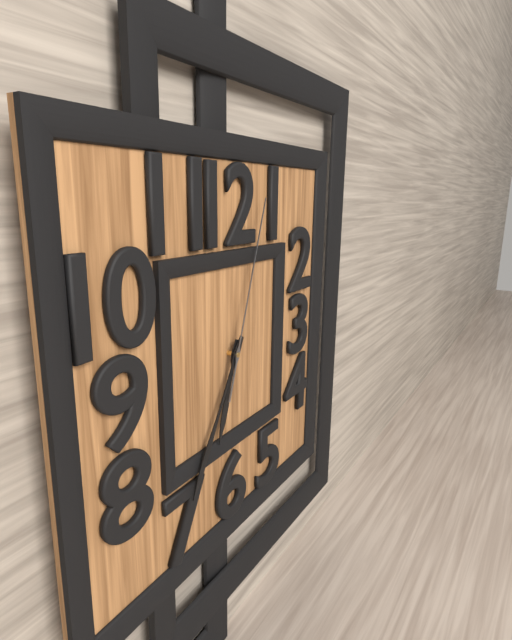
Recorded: **6:35:03**
